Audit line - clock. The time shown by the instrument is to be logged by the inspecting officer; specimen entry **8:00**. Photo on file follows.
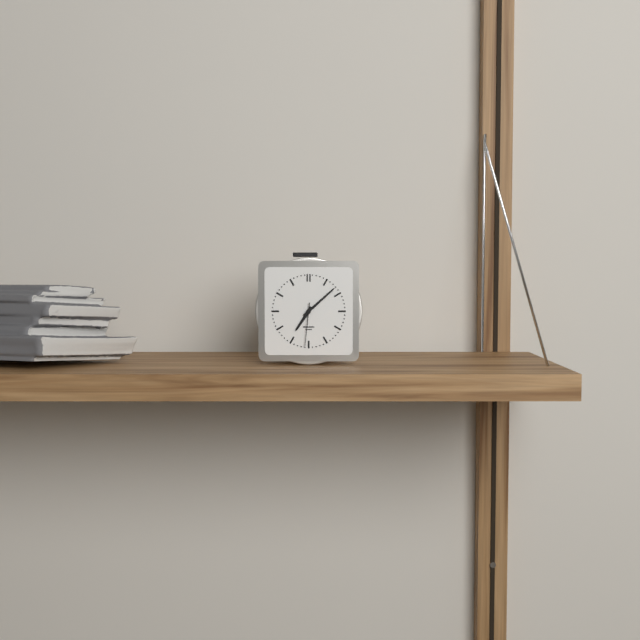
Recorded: **7:08**
